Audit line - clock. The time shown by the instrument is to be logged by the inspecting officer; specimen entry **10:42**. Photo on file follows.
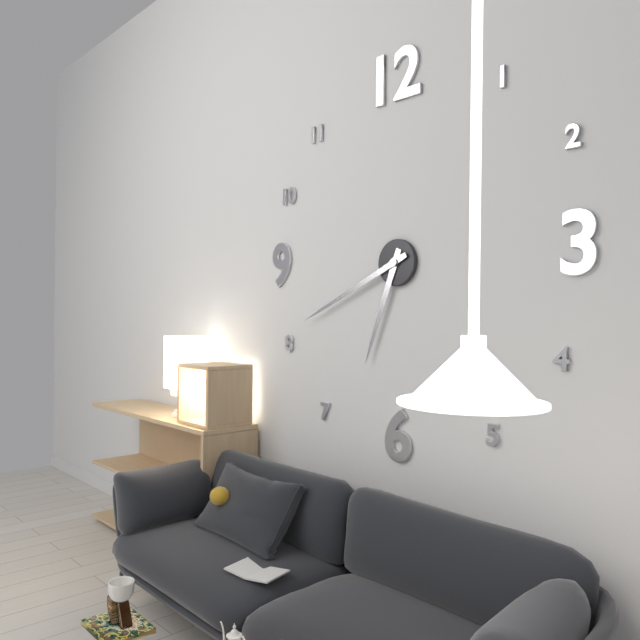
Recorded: **6:41**
